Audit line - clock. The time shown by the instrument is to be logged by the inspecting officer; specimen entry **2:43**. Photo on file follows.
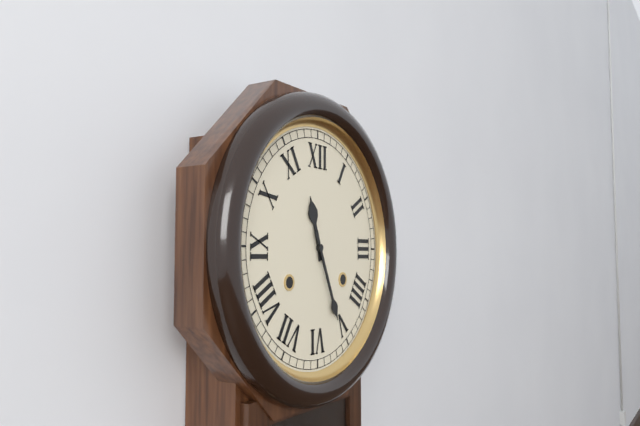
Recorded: **11:26**
